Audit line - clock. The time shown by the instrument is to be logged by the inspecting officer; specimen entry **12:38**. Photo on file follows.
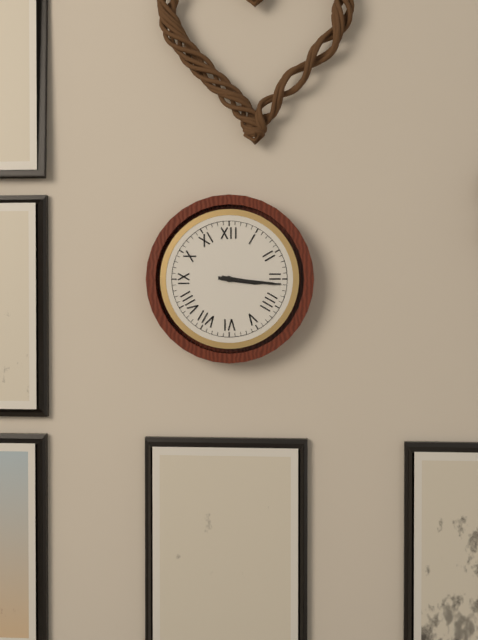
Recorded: **3:16**
